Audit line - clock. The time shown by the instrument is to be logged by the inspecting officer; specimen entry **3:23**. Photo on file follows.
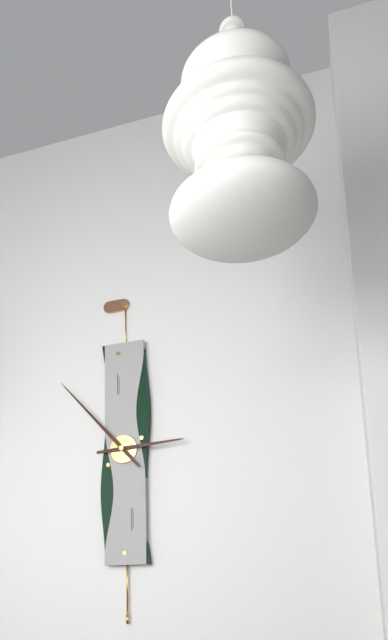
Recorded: **2:53**
